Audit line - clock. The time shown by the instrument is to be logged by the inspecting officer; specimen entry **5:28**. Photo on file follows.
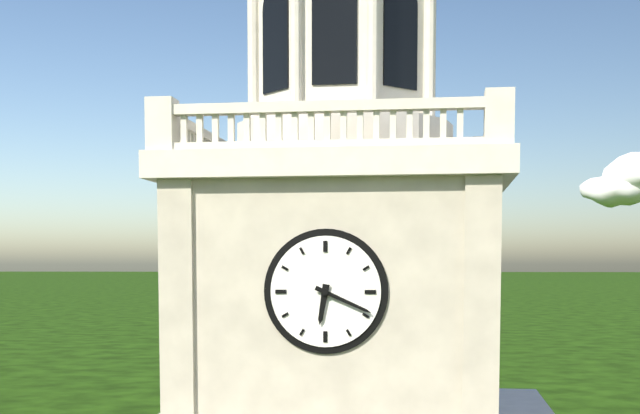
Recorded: **6:19**
